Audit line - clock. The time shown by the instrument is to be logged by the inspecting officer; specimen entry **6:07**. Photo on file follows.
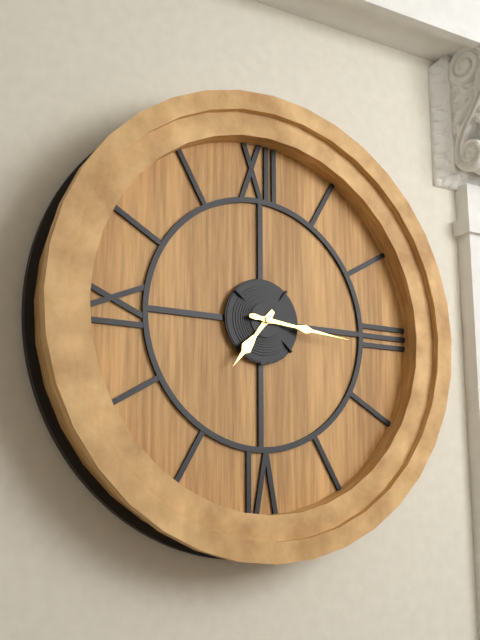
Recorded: **7:16**
